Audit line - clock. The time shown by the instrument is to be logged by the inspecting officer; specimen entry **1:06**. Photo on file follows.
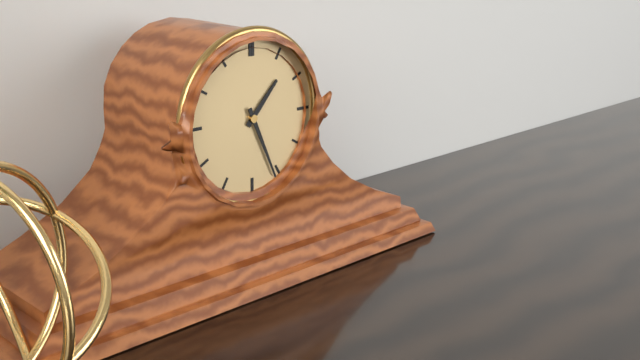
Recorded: **1:26**
